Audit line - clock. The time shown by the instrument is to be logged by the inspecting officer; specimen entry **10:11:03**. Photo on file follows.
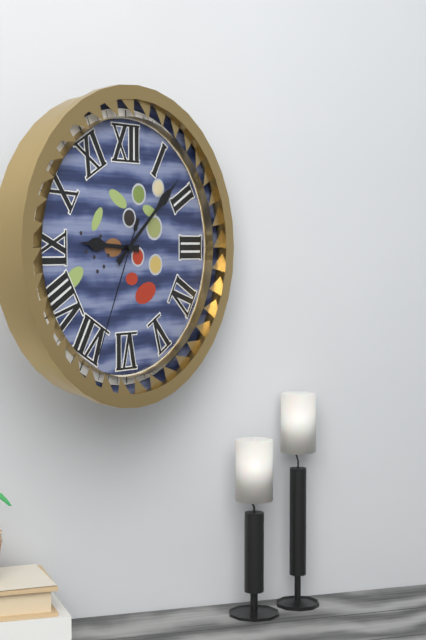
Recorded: **9:08:34**
